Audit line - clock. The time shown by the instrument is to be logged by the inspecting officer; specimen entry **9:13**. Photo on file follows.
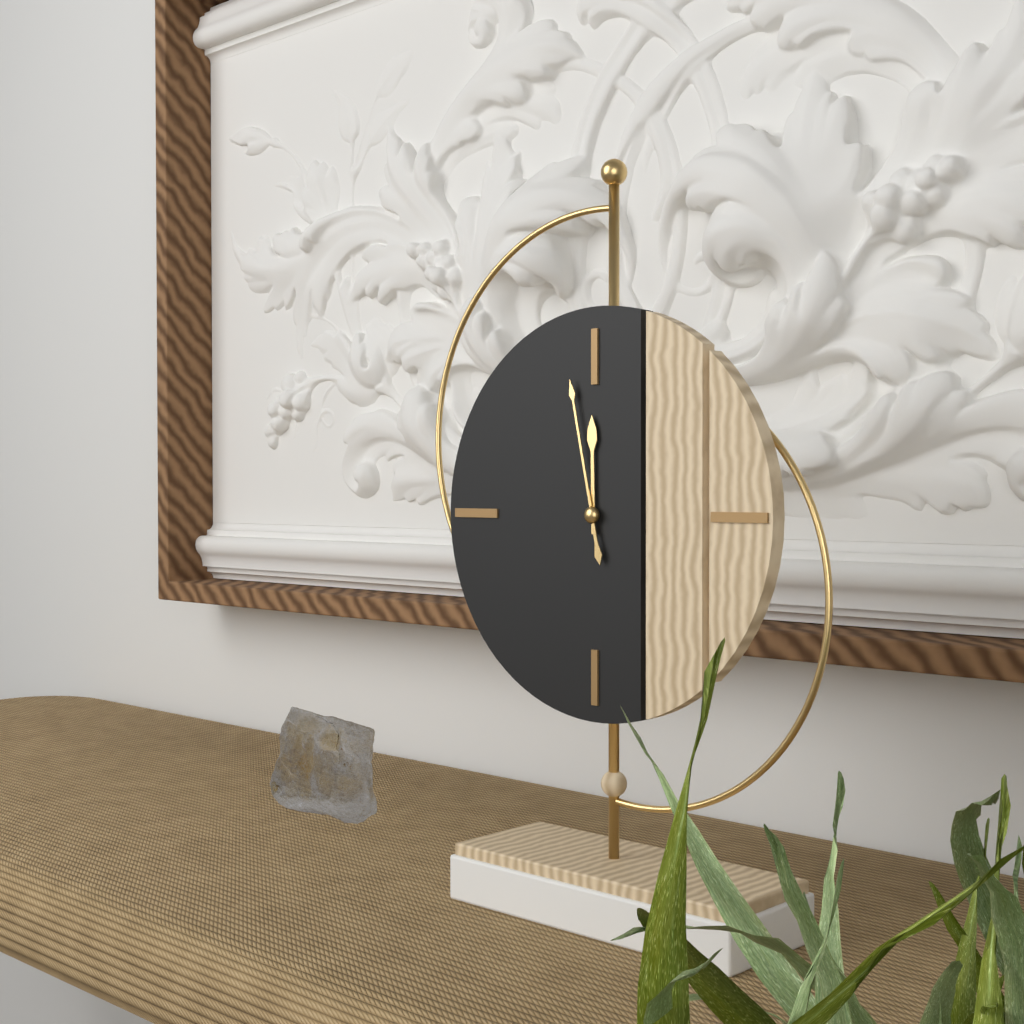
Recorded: **11:58**
